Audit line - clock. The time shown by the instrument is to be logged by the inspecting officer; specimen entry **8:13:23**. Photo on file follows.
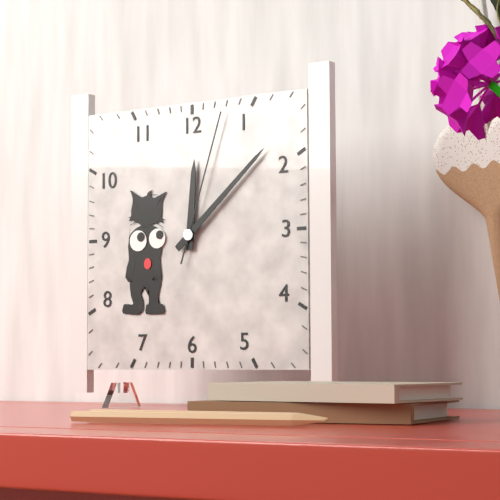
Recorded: **12:08:03**
